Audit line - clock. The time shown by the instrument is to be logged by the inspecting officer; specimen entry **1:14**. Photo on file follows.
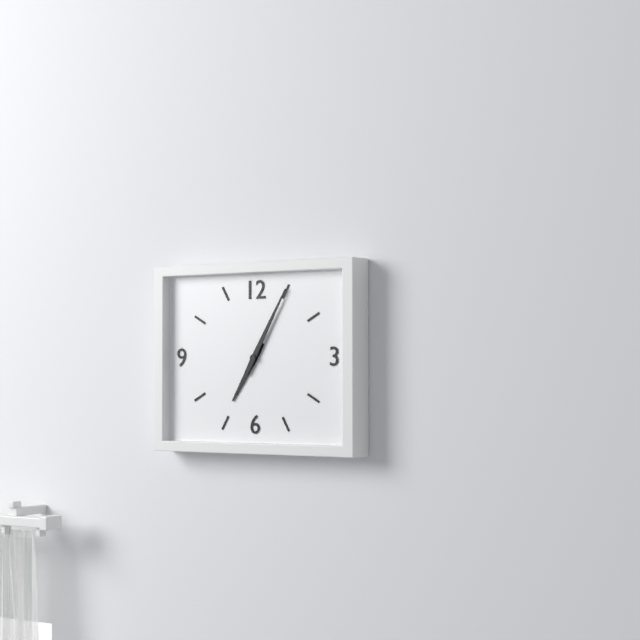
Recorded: **7:05**
